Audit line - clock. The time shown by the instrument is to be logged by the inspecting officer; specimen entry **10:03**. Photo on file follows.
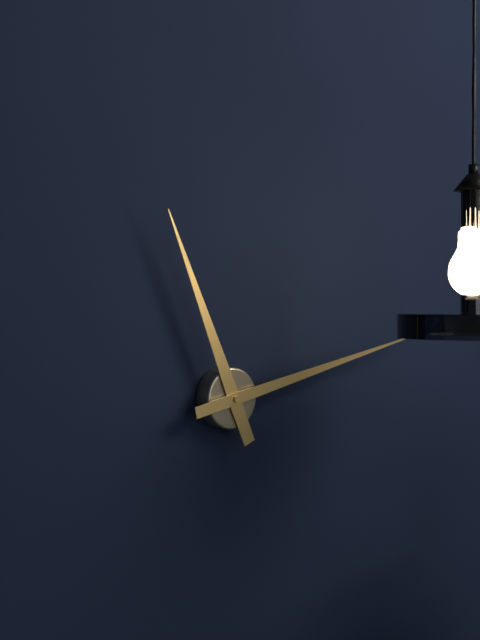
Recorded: **11:13**
